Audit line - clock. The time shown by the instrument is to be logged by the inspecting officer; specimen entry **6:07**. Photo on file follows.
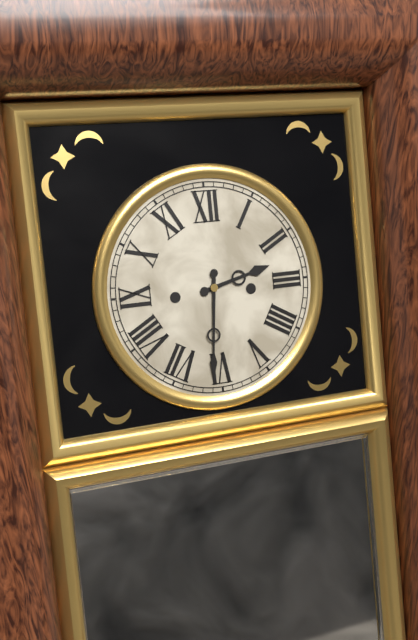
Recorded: **2:31**
